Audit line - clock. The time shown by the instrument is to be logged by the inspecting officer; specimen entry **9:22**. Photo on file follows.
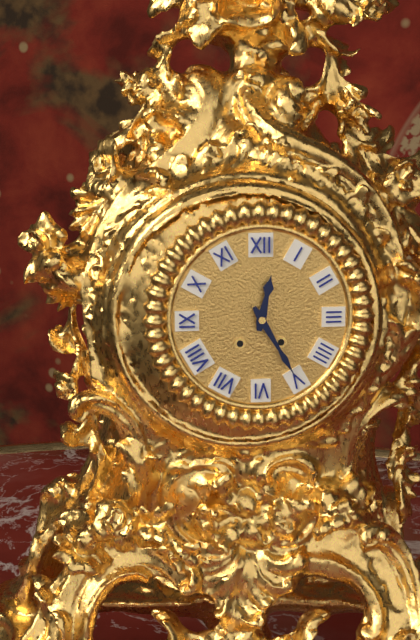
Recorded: **12:25**
